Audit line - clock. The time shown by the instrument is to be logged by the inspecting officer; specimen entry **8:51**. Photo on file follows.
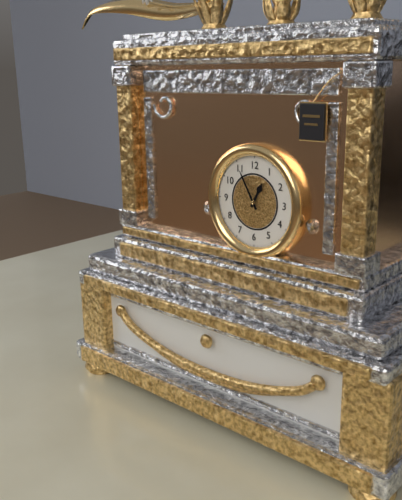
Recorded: **12:55**
